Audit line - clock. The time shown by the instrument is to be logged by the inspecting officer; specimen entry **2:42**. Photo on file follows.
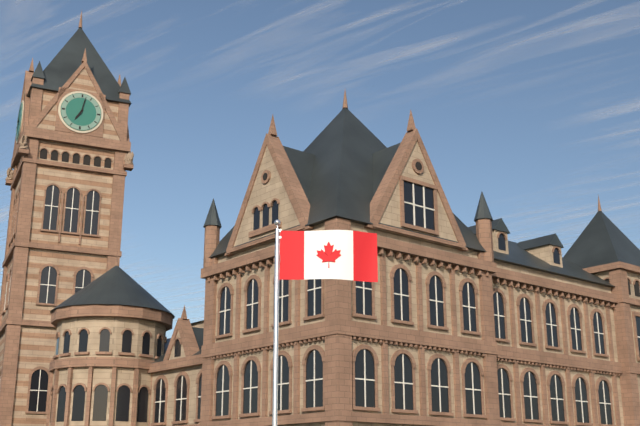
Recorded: **7:02**
